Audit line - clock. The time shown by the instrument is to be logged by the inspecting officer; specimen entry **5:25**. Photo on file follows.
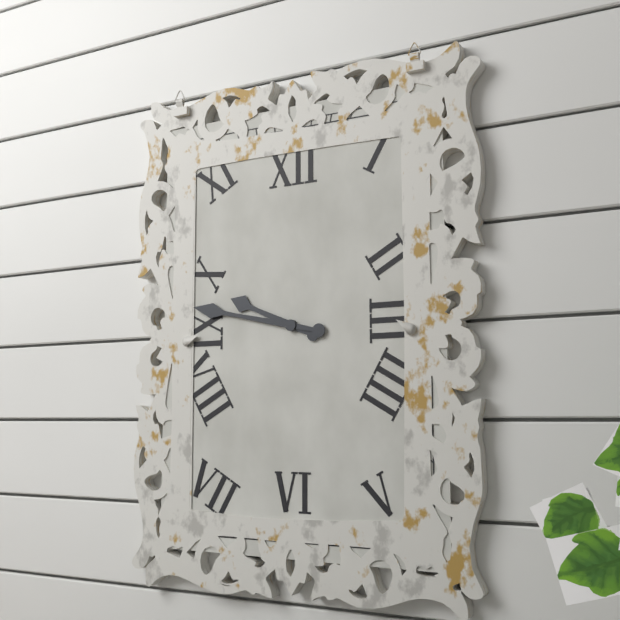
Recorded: **9:47**
